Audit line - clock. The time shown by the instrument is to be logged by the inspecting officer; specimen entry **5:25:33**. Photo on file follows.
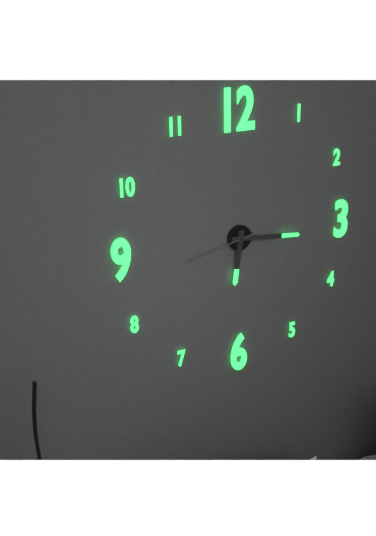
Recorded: **6:16:43**
